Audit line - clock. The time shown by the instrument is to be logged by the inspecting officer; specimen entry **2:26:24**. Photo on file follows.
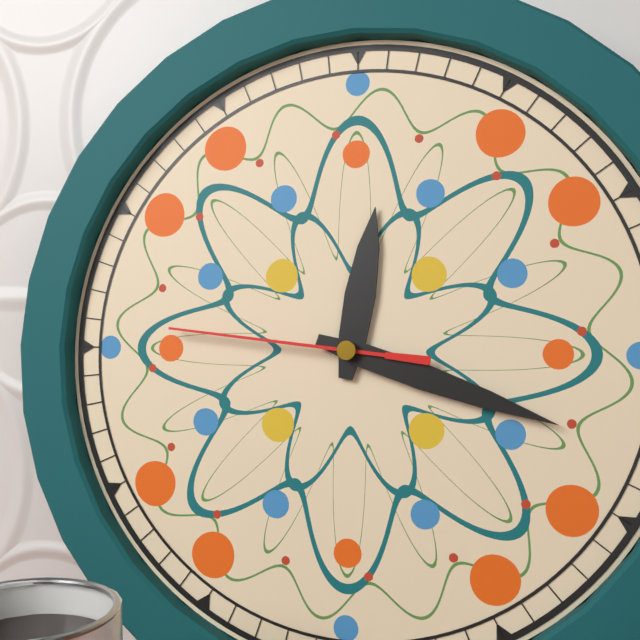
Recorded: **12:18:46**
